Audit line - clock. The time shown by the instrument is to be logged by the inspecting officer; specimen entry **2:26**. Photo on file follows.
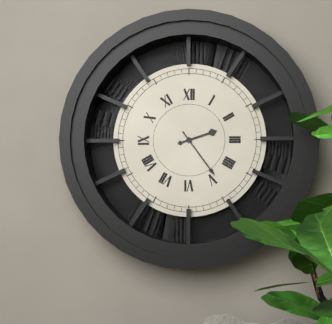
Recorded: **2:24**
